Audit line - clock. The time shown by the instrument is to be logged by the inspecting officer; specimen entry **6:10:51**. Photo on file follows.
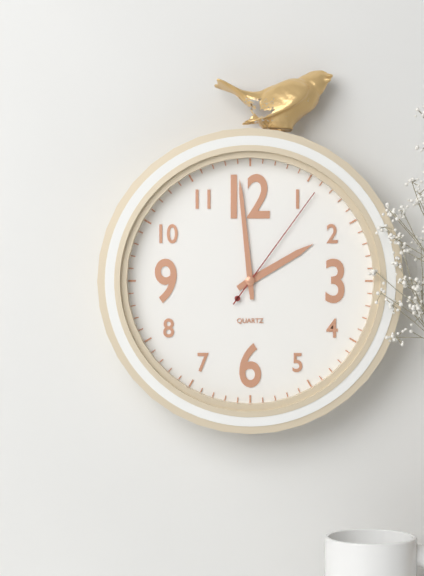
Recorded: **1:59:06**
